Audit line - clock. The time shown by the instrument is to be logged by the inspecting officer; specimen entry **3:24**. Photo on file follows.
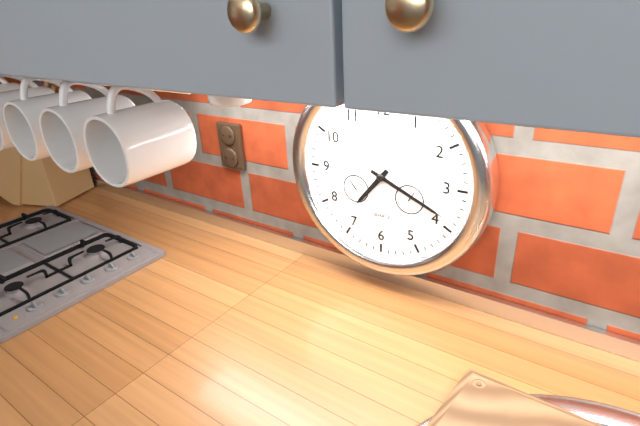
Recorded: **7:19**
